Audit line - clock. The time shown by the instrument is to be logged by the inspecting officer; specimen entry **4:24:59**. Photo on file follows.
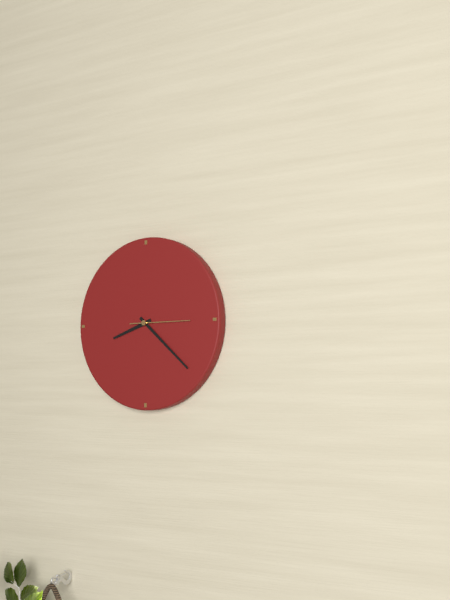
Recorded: **8:22:15**
